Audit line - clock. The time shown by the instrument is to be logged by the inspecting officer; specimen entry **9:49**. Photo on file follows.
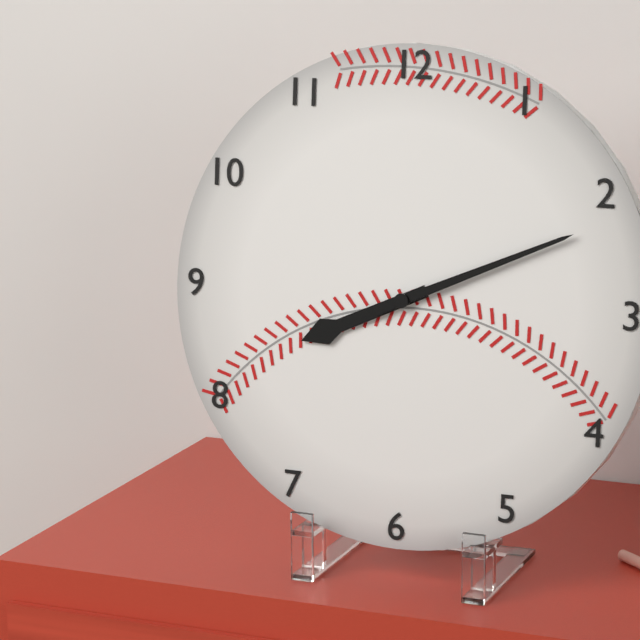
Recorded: **8:11**
